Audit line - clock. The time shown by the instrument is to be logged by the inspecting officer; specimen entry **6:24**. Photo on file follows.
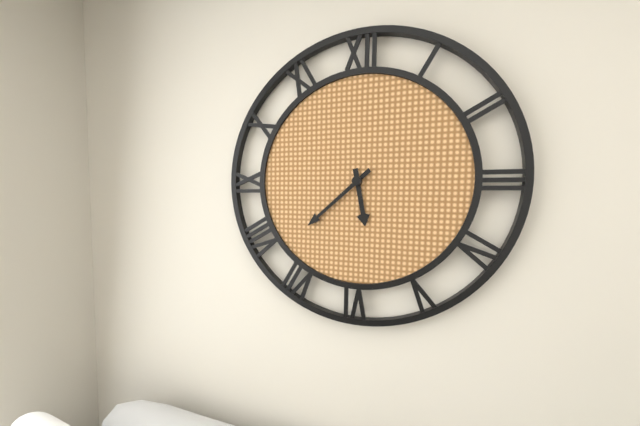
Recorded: **5:38**
